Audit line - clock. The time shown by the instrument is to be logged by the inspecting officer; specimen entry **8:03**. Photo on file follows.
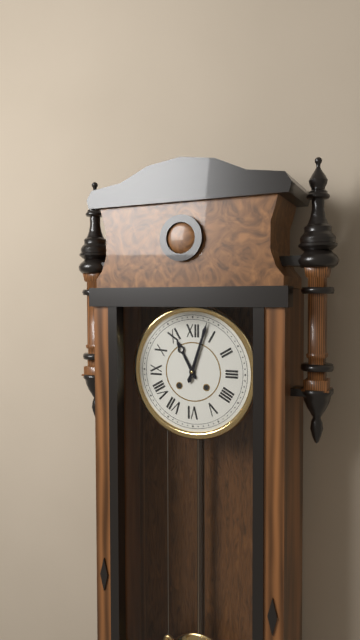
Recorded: **11:03**
